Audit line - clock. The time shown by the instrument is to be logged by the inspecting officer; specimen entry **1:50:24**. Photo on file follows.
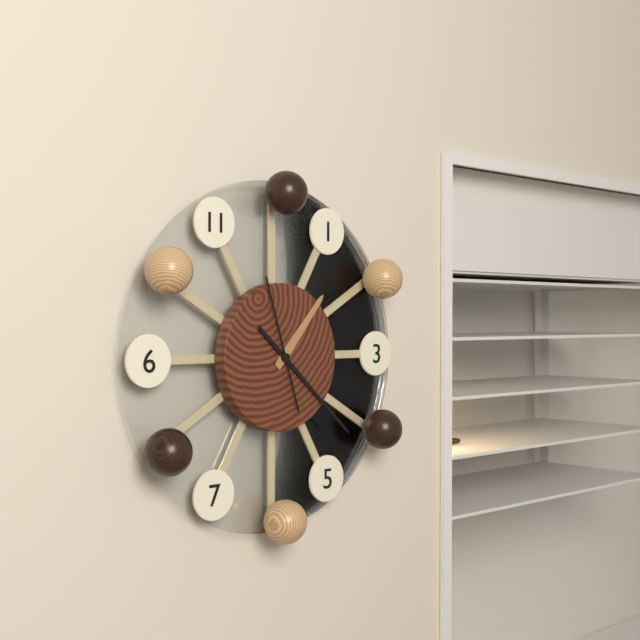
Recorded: **1:22:57**
